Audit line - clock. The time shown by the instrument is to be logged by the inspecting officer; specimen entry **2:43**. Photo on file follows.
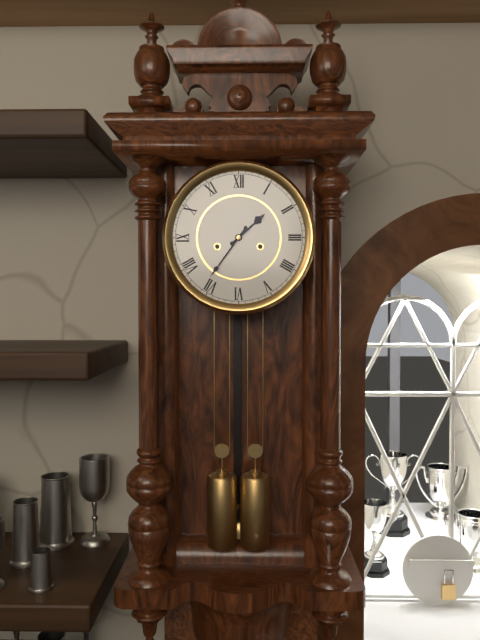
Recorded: **1:36**
